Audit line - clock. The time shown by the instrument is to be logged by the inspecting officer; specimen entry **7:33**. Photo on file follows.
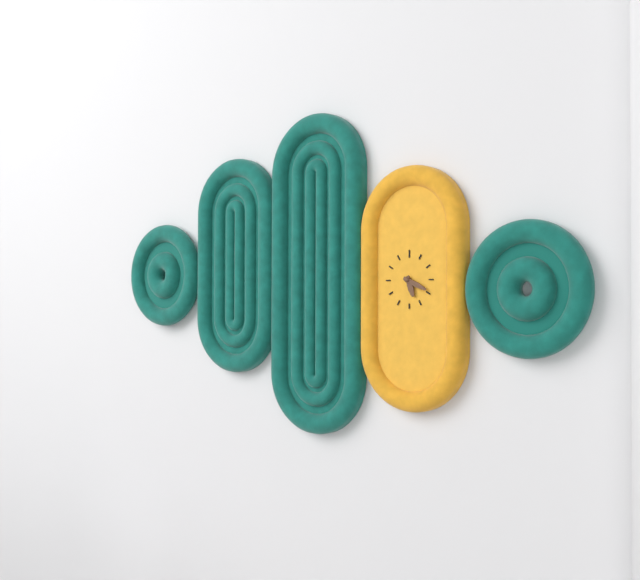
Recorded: **5:19**
